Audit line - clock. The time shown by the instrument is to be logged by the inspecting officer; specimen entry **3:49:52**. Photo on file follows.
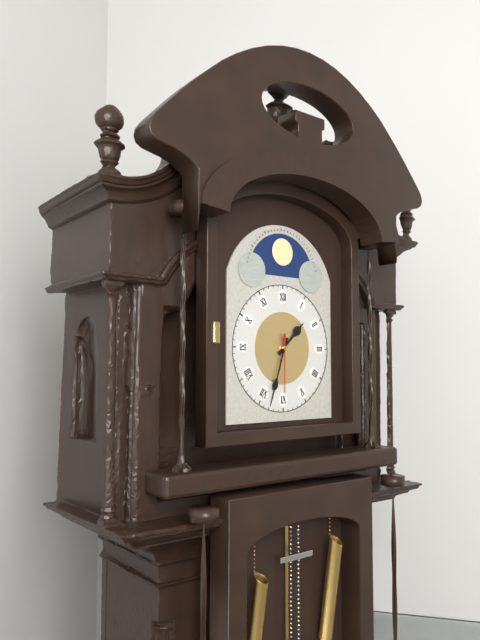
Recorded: **1:33:30**
